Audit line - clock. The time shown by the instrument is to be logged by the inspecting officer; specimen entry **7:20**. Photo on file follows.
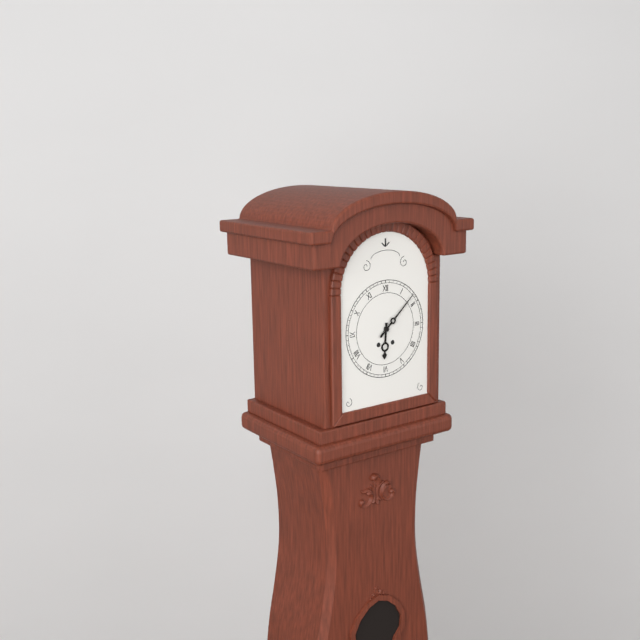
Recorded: **6:08**
